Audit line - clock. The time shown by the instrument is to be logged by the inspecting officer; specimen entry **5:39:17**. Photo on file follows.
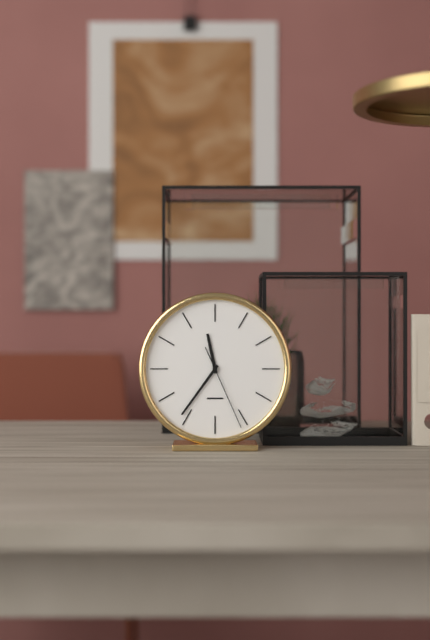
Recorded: **11:36:26**
